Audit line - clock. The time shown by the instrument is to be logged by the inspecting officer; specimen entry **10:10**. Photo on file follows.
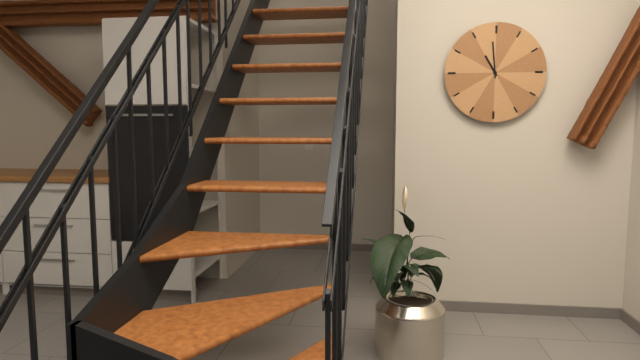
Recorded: **10:59**
